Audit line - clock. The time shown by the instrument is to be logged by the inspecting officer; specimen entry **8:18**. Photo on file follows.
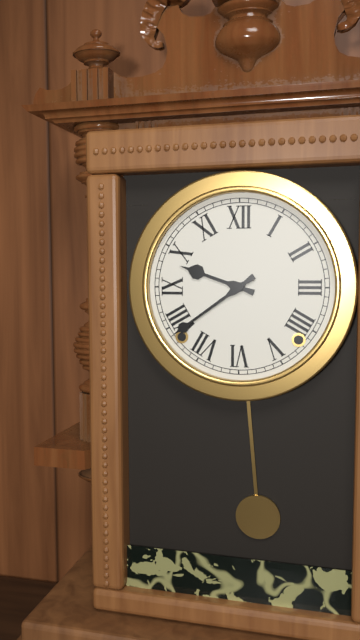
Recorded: **9:39**
